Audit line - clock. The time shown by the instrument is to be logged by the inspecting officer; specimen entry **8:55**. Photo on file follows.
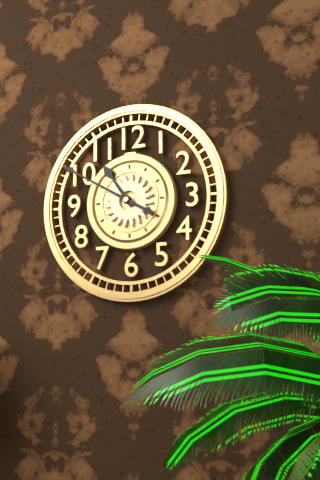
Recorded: **10:50**
